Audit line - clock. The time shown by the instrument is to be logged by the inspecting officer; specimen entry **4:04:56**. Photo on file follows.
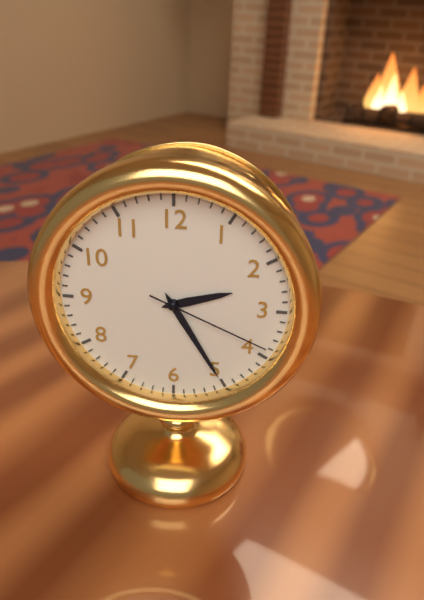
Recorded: **2:25:19**
